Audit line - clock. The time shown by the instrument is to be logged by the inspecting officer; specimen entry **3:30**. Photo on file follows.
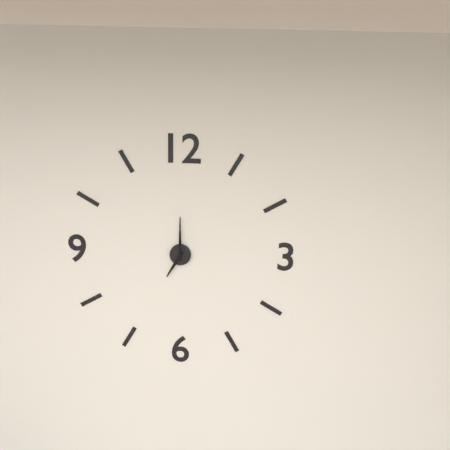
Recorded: **7:00**
